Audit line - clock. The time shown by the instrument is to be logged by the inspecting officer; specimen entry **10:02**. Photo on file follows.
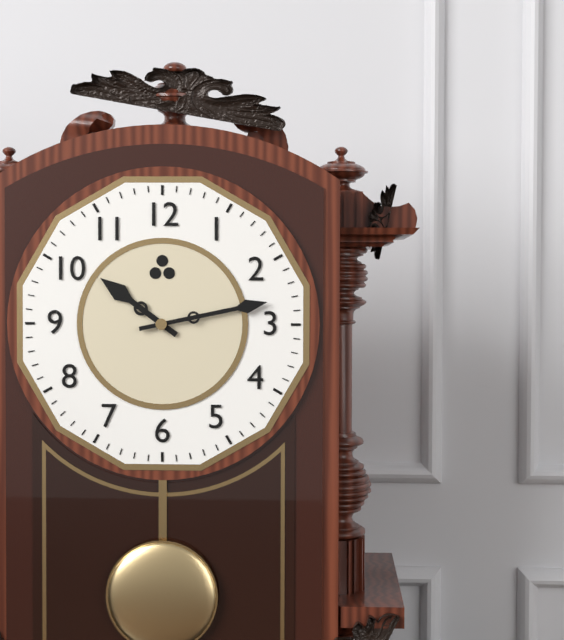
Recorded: **10:13**
